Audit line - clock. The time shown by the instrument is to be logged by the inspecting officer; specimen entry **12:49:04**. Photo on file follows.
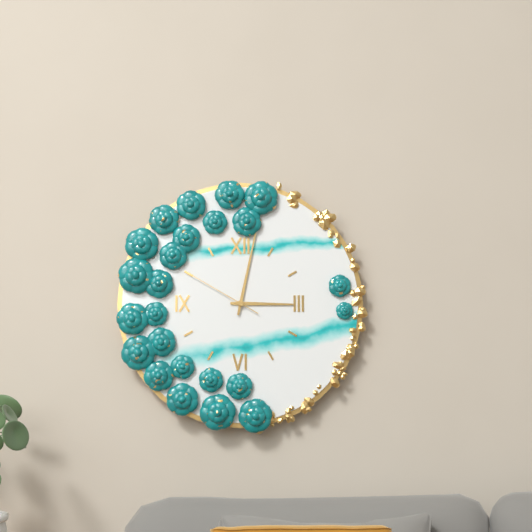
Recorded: **3:02:50**
